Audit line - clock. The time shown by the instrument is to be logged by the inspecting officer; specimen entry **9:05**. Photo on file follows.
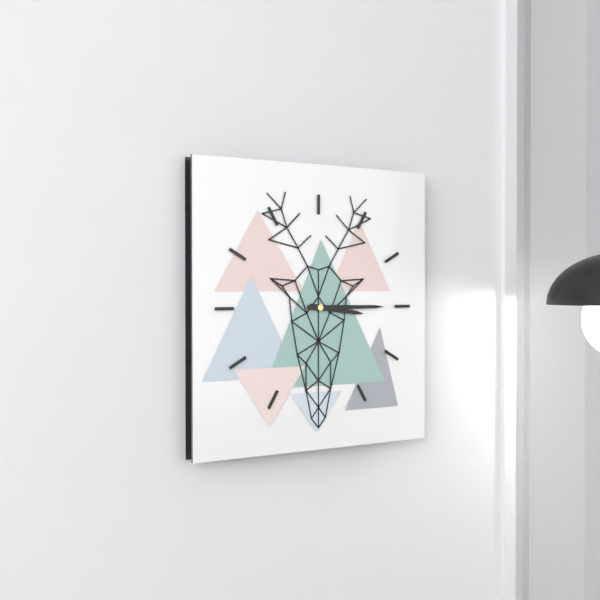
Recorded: **3:15**
